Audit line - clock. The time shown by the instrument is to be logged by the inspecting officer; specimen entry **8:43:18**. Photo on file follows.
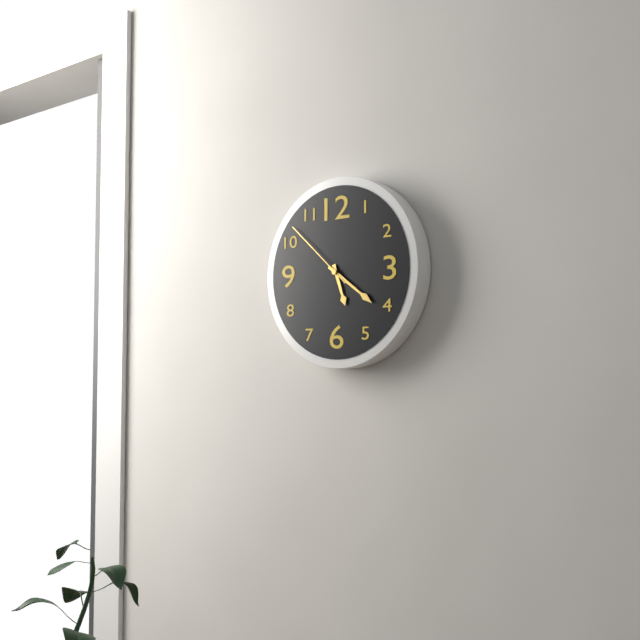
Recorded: **5:21:52**
